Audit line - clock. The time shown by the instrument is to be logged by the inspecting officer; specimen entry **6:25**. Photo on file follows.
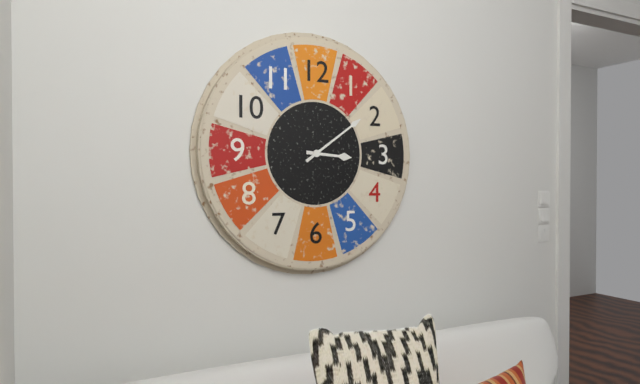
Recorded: **3:09**
